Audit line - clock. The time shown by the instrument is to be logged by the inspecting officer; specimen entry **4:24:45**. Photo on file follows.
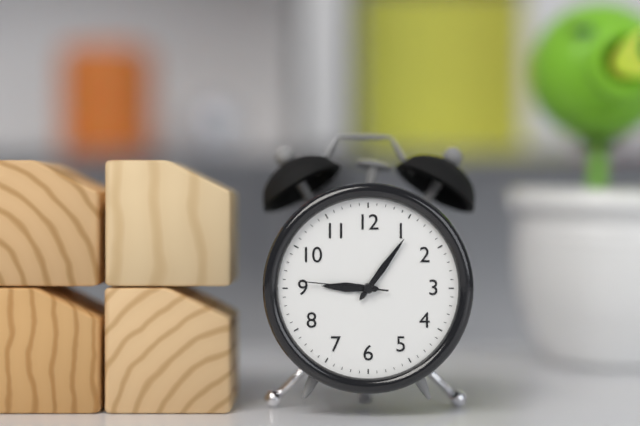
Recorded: **9:06:46**
